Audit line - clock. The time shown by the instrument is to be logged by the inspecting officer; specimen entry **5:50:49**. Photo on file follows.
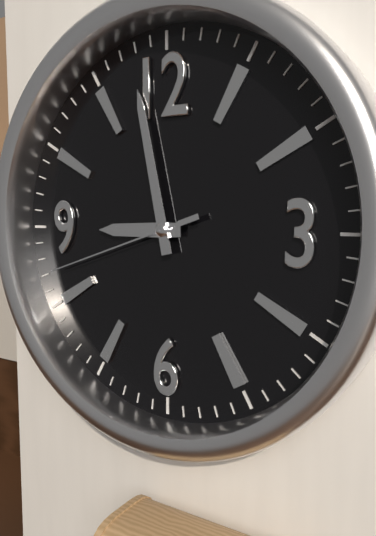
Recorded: **8:58:42**
